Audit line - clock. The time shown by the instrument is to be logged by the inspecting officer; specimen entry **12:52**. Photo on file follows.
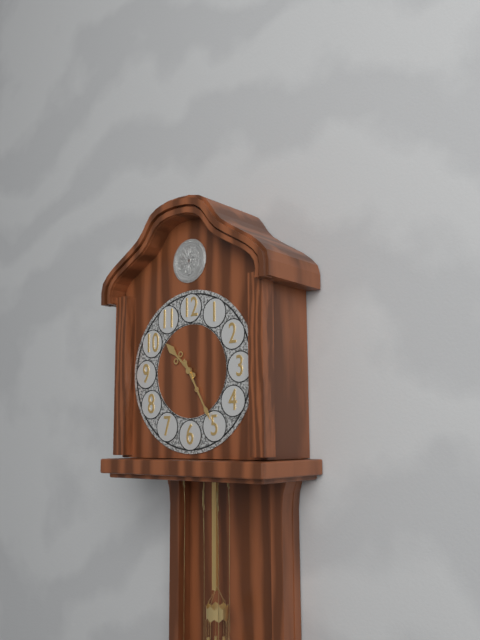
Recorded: **10:25**
